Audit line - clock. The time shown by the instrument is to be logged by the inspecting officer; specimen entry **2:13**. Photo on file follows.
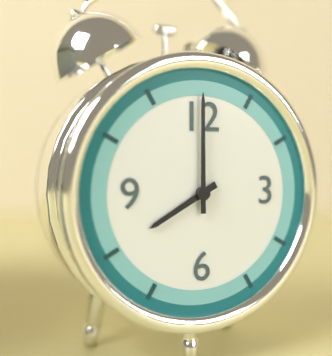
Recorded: **8:00**
